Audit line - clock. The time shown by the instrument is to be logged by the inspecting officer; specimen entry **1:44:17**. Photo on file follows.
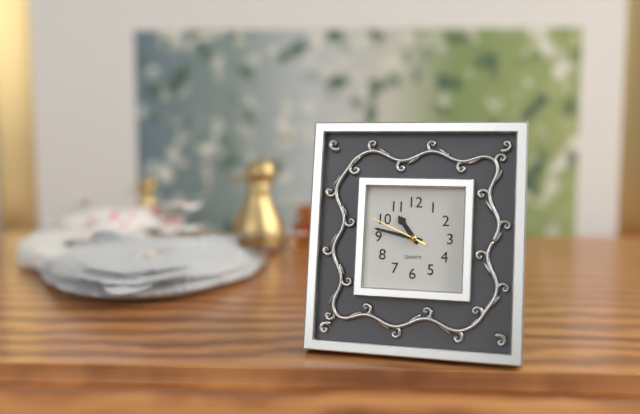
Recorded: **10:47:49**
